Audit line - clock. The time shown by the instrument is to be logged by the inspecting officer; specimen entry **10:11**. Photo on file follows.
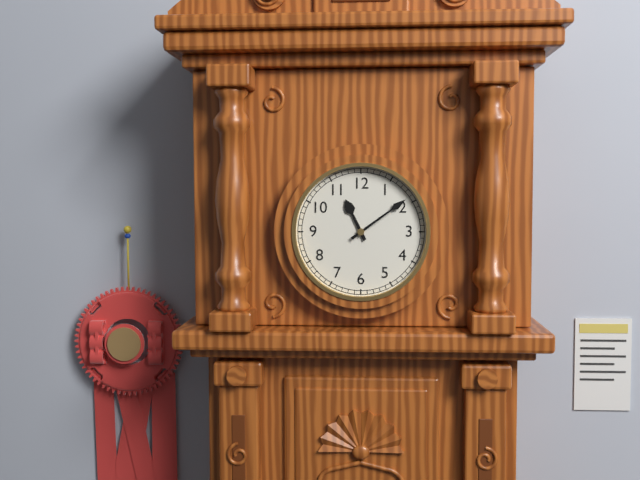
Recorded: **11:09**
